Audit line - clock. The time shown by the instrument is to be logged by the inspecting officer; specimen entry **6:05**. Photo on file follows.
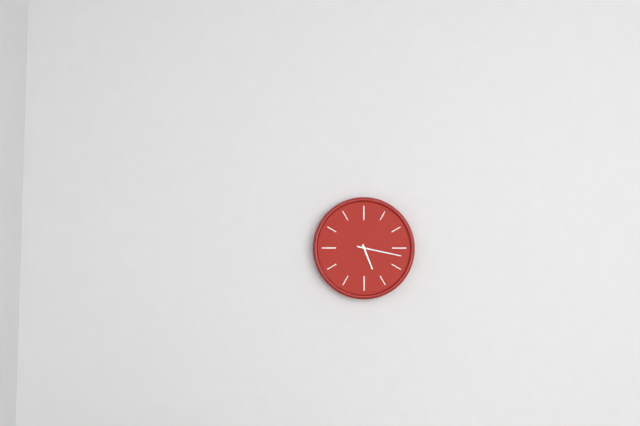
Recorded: **5:17**
